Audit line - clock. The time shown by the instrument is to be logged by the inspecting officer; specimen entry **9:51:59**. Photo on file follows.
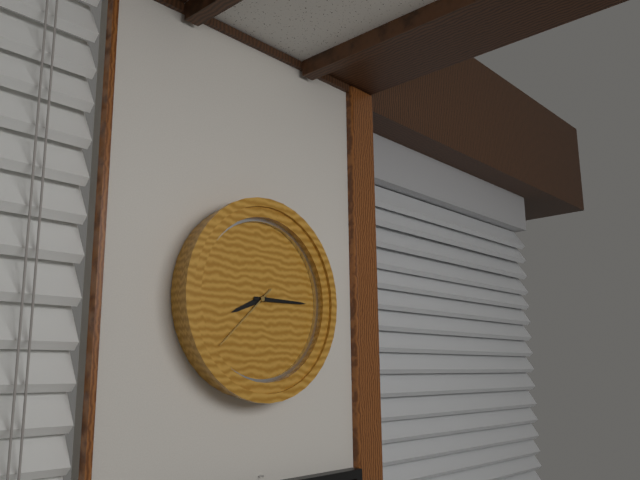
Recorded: **8:15:38**
